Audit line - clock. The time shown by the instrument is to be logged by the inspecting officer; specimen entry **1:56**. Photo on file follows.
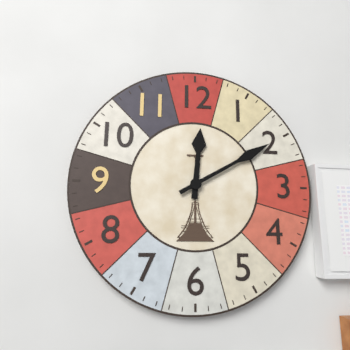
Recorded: **12:10**
